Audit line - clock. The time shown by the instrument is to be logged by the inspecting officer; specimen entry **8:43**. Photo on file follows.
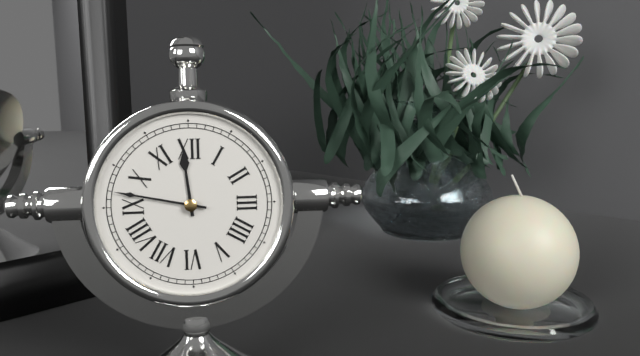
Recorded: **11:47**
